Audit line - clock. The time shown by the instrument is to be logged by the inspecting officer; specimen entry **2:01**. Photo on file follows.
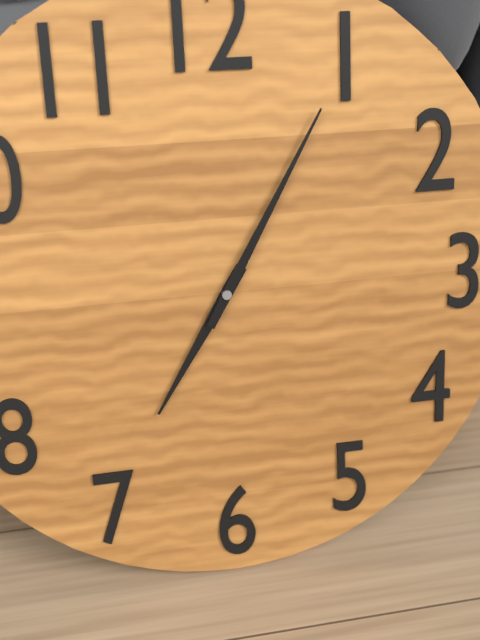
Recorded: **7:05**
